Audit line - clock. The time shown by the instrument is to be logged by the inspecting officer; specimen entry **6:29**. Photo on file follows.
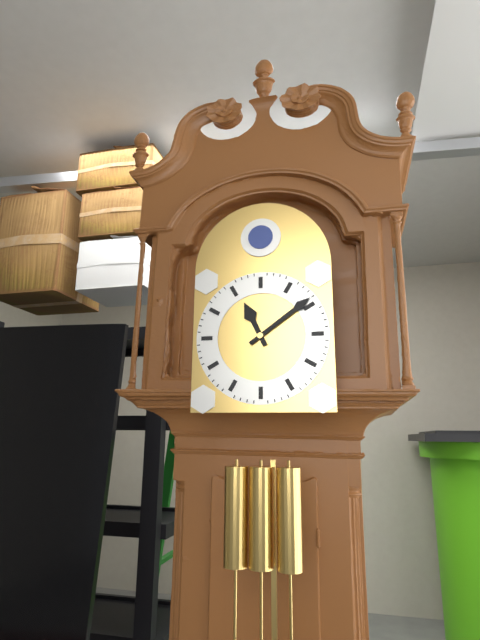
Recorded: **11:09**
